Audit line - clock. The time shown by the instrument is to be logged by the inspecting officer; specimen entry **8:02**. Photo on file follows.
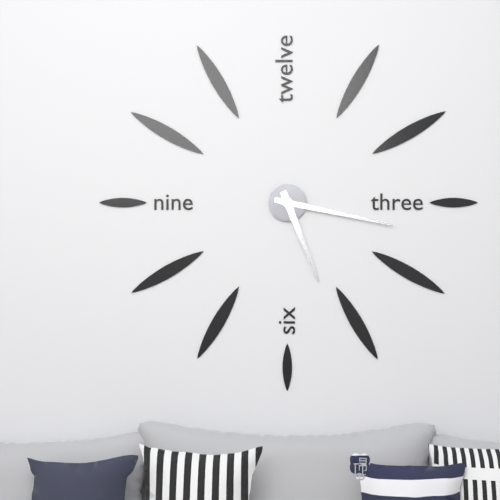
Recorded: **5:17**
